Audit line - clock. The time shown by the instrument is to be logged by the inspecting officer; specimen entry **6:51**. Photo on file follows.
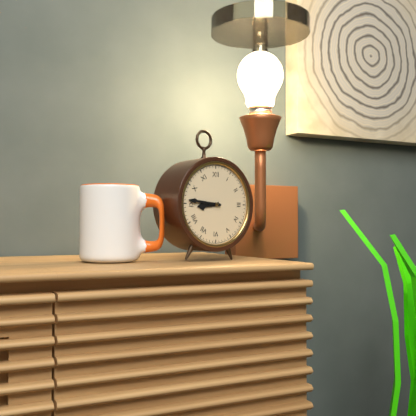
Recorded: **8:46**
